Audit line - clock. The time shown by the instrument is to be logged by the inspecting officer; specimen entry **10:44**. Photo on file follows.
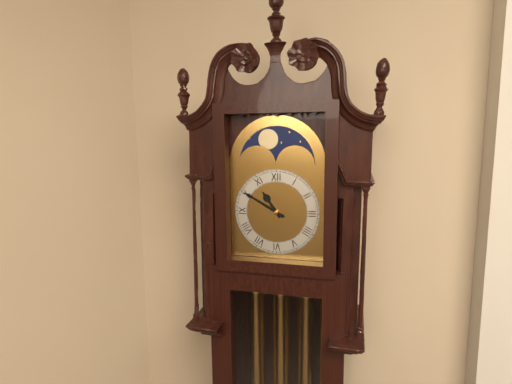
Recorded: **10:50**
